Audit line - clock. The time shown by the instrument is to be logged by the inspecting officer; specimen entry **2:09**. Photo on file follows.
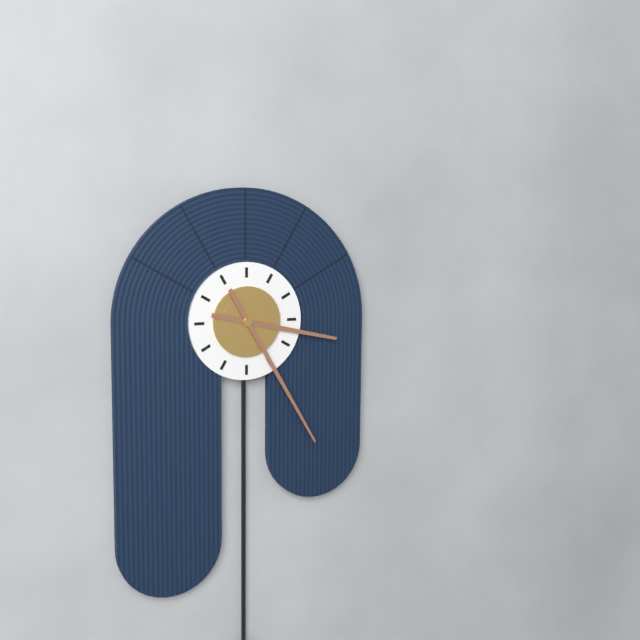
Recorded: **3:25**
